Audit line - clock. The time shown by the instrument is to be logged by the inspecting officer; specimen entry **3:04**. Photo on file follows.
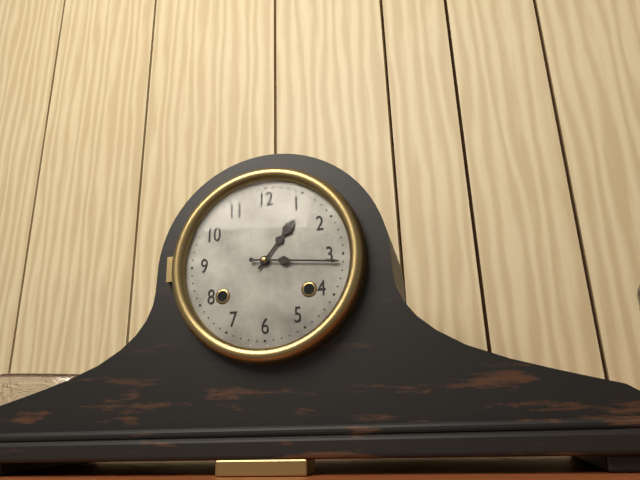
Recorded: **1:16**
